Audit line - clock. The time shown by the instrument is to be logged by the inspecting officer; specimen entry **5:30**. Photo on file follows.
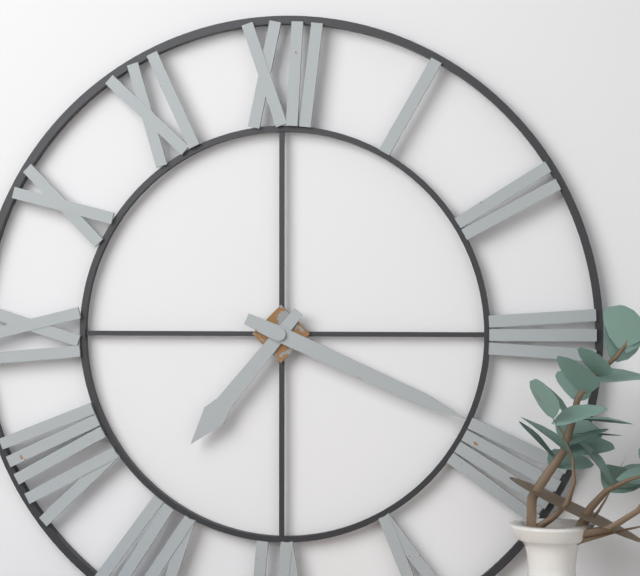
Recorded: **7:19**
